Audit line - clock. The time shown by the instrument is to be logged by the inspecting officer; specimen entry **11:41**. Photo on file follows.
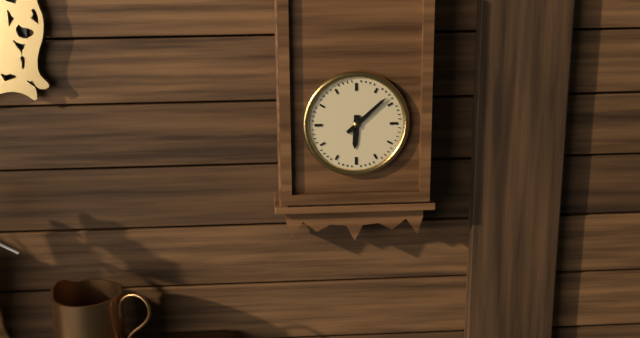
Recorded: **6:08**
